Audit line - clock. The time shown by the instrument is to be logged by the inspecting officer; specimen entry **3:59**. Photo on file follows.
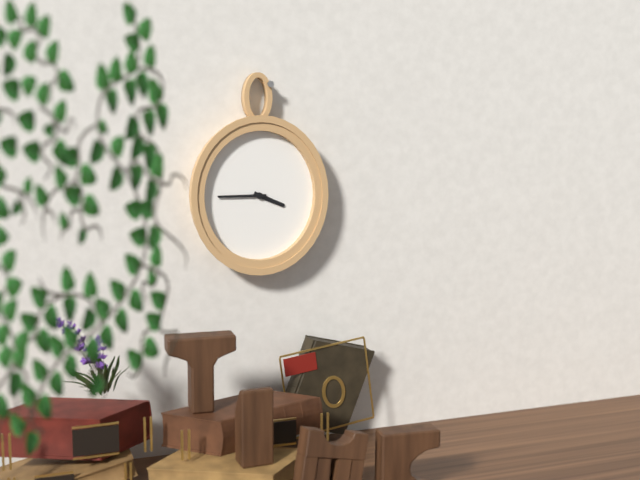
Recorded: **3:45**
